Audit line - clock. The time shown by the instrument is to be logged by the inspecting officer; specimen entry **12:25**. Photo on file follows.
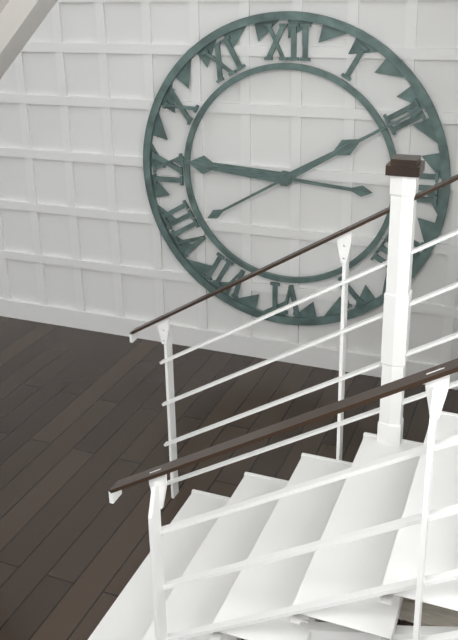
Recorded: **9:10**
